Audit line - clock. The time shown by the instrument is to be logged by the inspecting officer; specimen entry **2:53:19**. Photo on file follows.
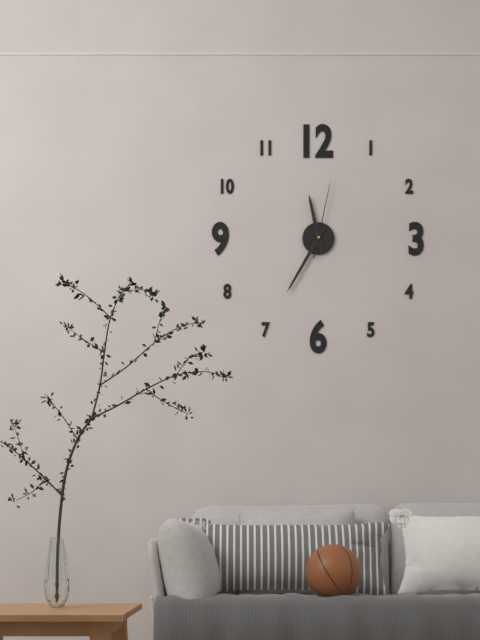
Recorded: **11:35:02**
